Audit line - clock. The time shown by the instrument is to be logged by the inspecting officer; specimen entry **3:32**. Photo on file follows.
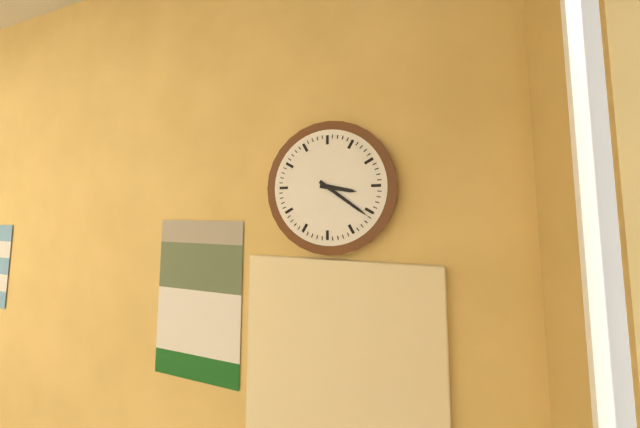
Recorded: **3:21**
